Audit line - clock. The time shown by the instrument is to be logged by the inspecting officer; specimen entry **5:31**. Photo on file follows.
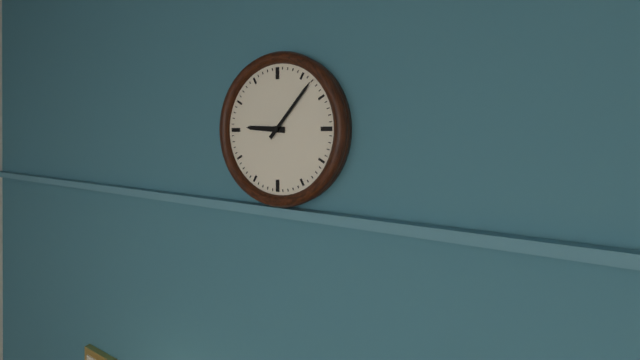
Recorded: **9:07**
